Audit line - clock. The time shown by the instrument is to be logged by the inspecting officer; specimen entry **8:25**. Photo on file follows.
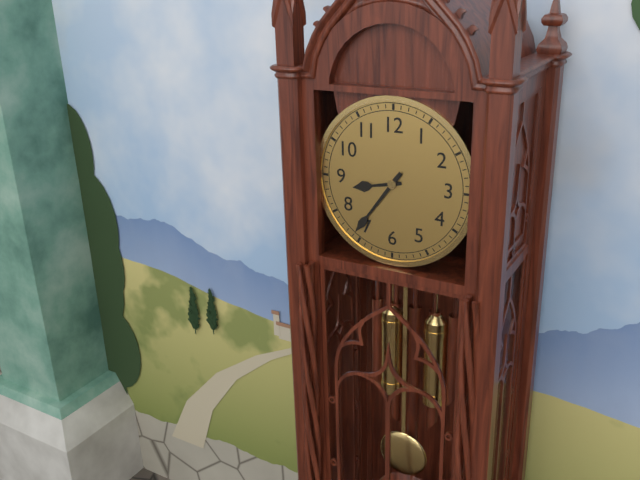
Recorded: **8:36**
